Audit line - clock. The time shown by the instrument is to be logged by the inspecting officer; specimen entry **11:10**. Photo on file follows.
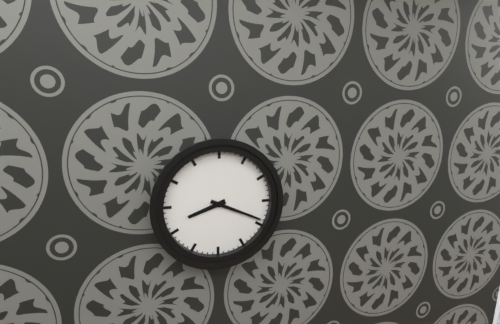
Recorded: **8:19**
